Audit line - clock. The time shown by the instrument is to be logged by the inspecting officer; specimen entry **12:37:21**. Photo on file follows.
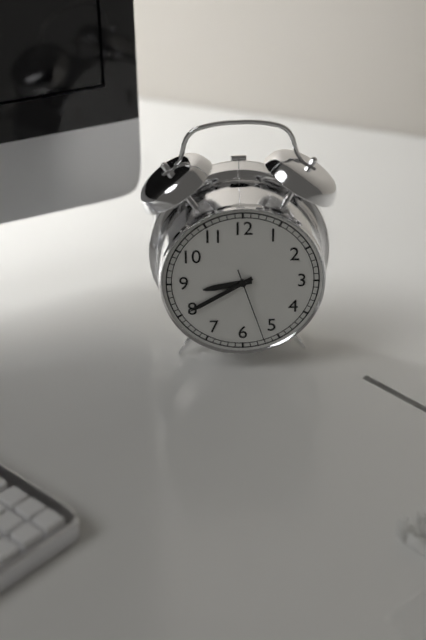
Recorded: **8:40:27**
